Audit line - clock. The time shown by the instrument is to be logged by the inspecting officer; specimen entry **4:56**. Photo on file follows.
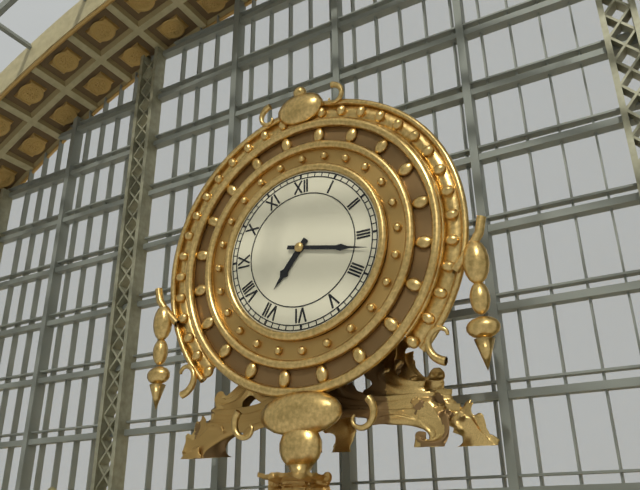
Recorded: **7:17**
